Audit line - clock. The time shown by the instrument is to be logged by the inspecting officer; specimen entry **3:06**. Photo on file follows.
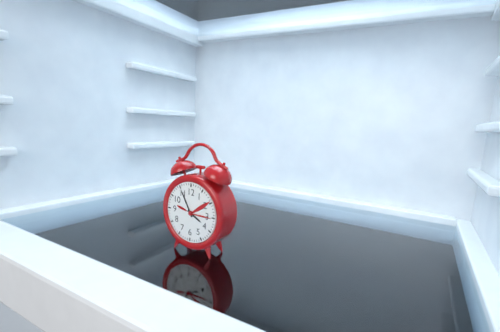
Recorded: **3:55**
